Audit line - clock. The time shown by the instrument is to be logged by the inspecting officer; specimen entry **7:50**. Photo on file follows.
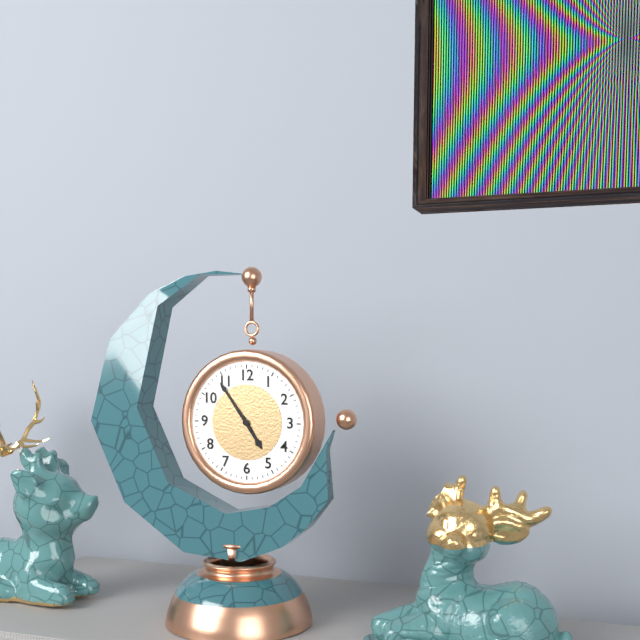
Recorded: **4:54**
